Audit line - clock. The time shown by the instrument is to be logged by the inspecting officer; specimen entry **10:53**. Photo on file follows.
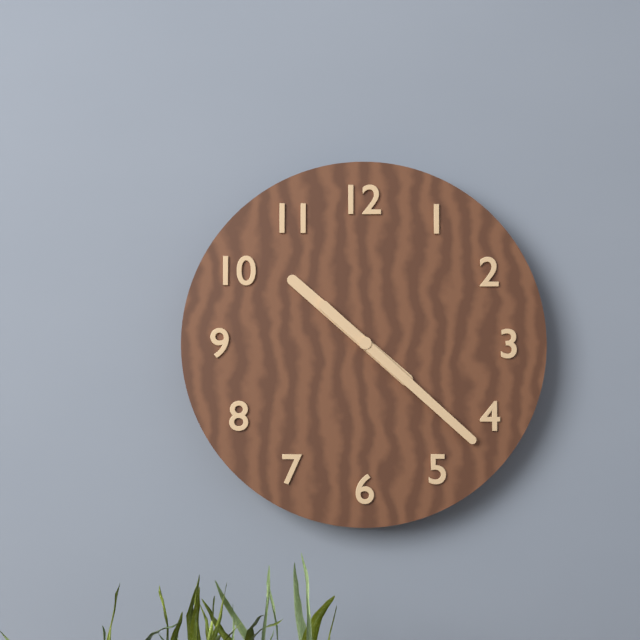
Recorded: **10:22**
